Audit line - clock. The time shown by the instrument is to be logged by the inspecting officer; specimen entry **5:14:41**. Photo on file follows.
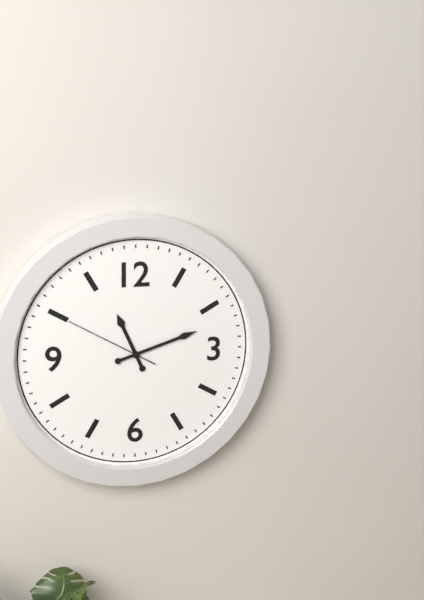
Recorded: **11:12:50**
